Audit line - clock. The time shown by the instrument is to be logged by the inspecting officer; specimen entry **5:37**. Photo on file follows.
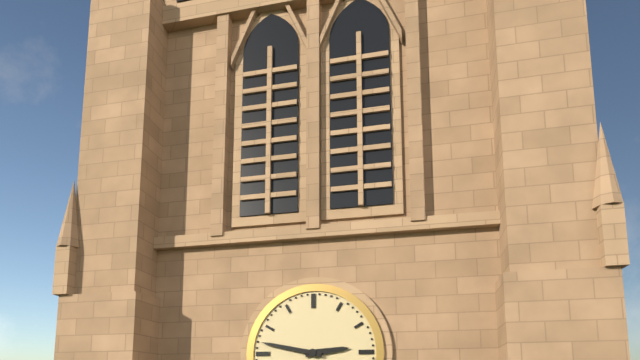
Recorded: **2:47**
